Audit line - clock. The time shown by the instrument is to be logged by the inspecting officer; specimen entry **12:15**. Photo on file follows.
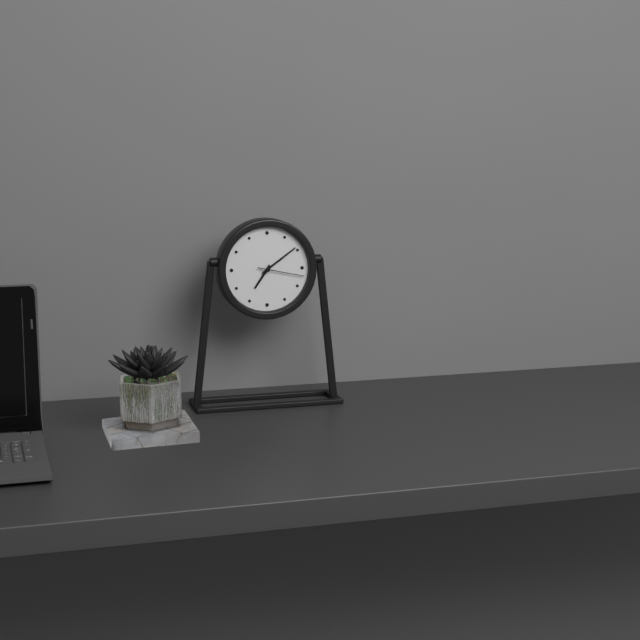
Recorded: **7:09**
